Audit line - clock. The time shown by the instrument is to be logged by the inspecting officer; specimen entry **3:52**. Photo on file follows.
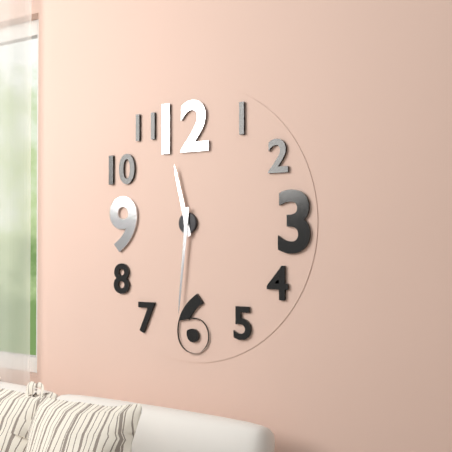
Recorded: **11:31**
